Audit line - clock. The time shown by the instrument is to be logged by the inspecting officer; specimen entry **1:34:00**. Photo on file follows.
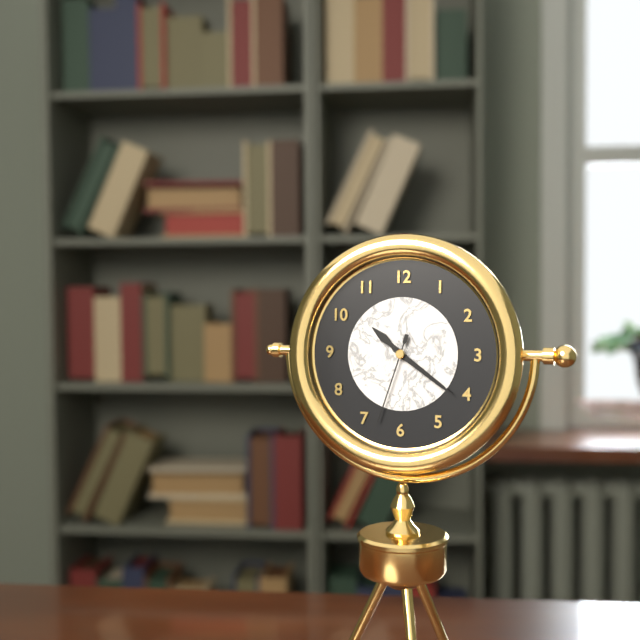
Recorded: **10:21:33**
